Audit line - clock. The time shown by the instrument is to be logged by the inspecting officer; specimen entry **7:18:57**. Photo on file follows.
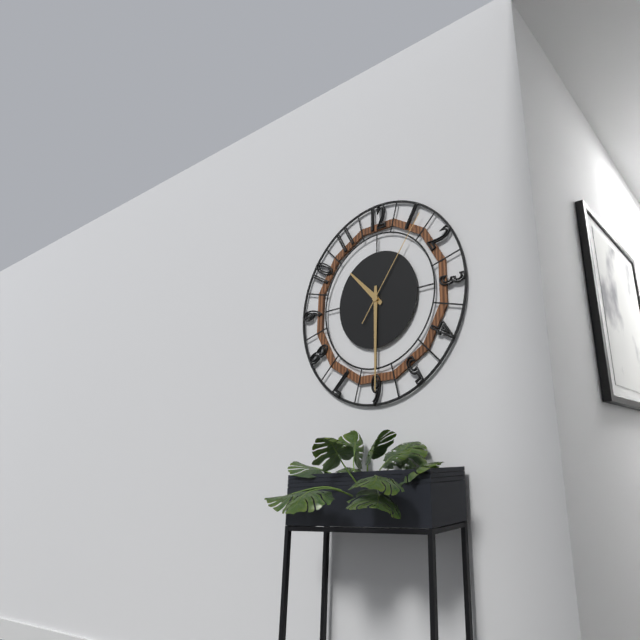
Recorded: **10:30:06**
